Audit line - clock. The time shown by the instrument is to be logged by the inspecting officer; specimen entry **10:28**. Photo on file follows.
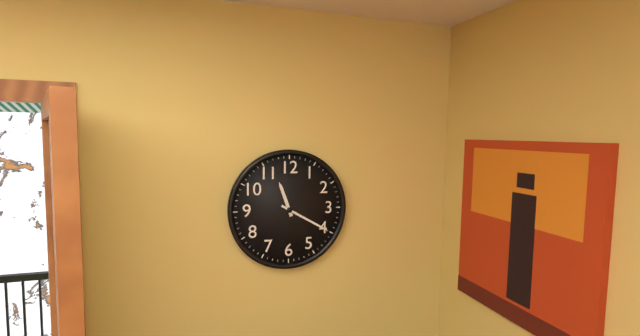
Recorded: **11:20**
